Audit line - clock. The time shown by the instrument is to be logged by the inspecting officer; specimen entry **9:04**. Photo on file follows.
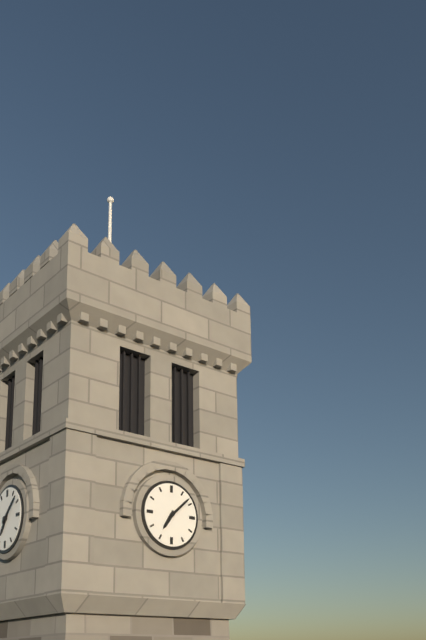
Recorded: **7:08**
